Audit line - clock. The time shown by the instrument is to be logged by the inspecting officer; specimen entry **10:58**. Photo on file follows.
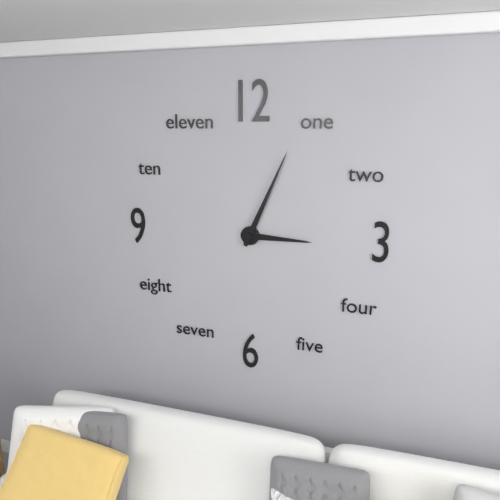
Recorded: **3:04**
